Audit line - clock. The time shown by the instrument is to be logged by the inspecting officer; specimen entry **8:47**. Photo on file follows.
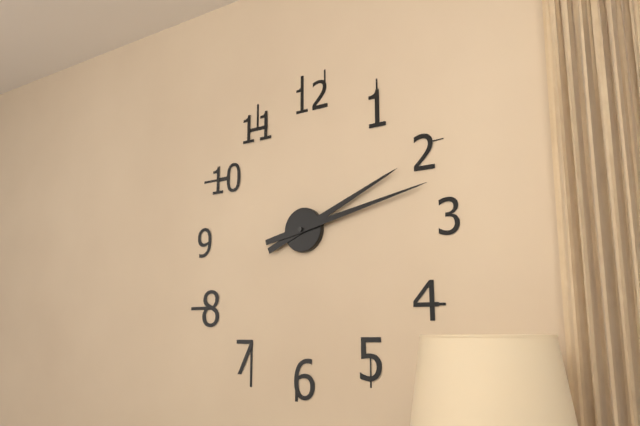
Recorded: **2:13**
